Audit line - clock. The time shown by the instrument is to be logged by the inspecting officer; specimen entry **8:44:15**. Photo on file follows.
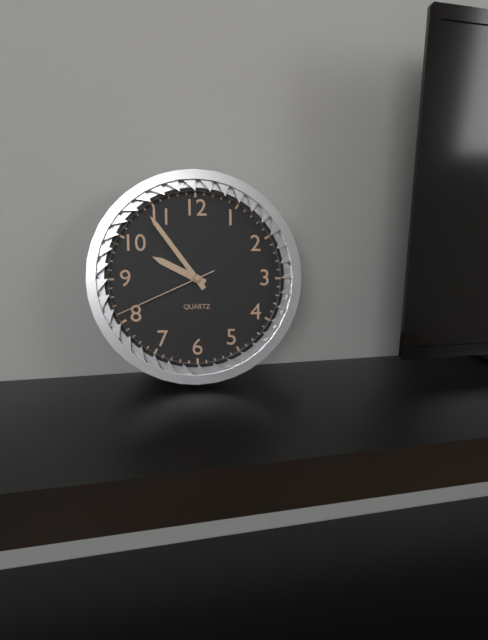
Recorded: **9:54:41**
